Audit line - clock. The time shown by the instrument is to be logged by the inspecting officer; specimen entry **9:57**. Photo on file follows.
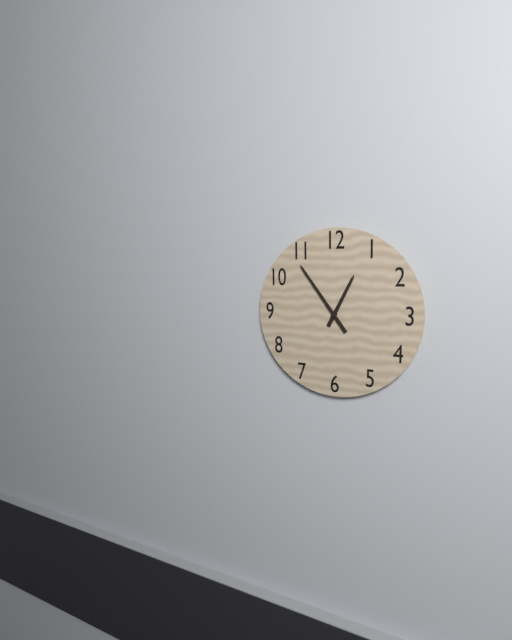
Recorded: **12:54**
